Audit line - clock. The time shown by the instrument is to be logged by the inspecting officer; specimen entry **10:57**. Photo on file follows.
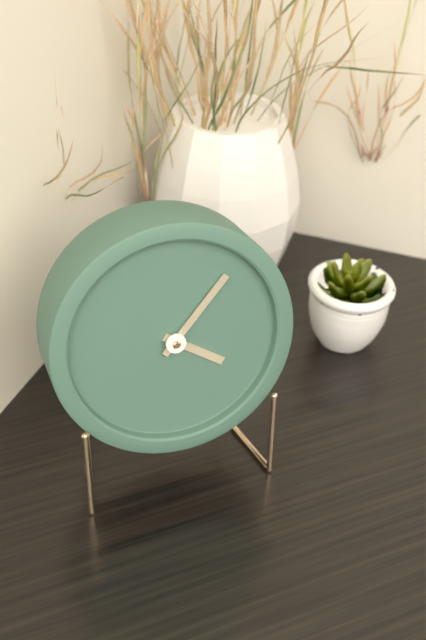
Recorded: **4:07**
